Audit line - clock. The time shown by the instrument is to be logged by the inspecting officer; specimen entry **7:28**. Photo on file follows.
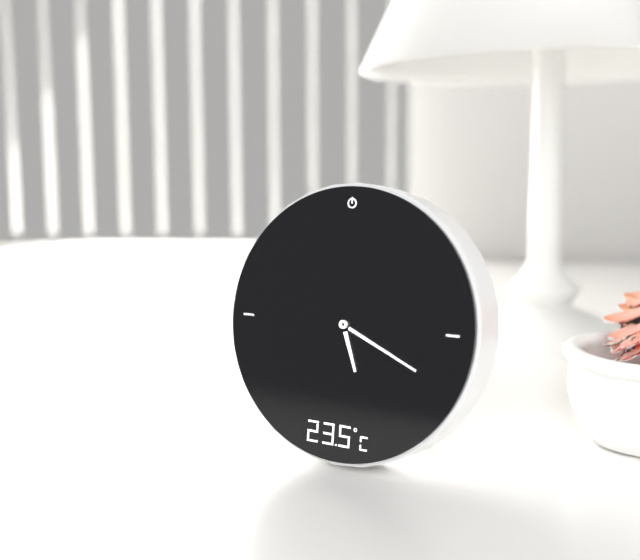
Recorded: **5:19**
